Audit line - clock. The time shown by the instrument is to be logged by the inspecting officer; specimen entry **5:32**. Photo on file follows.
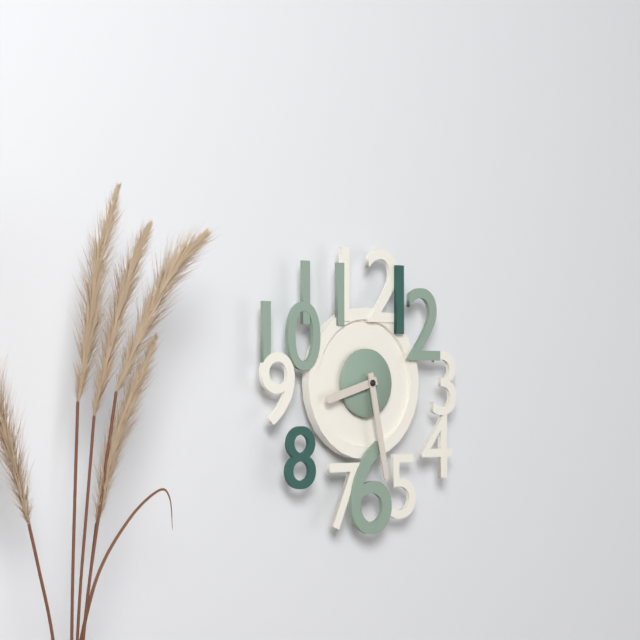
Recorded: **8:28**
